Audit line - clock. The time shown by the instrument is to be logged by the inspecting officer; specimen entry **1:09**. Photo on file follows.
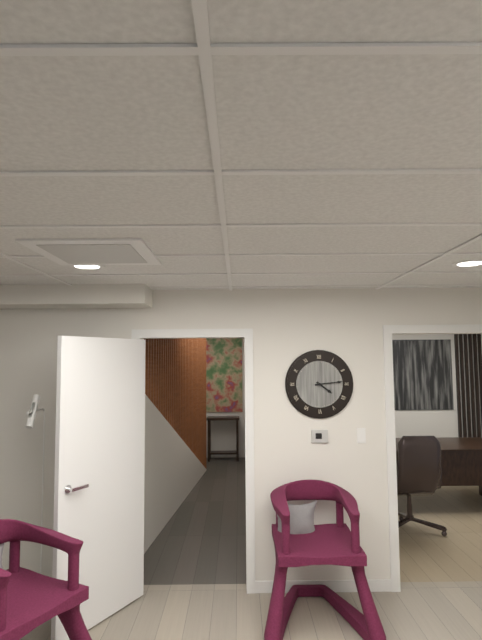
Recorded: **4:14**
